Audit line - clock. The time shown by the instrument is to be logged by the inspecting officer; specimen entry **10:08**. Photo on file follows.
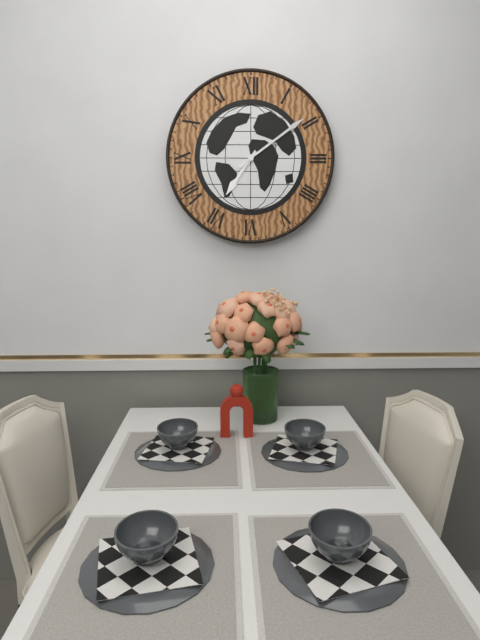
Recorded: **7:09**
